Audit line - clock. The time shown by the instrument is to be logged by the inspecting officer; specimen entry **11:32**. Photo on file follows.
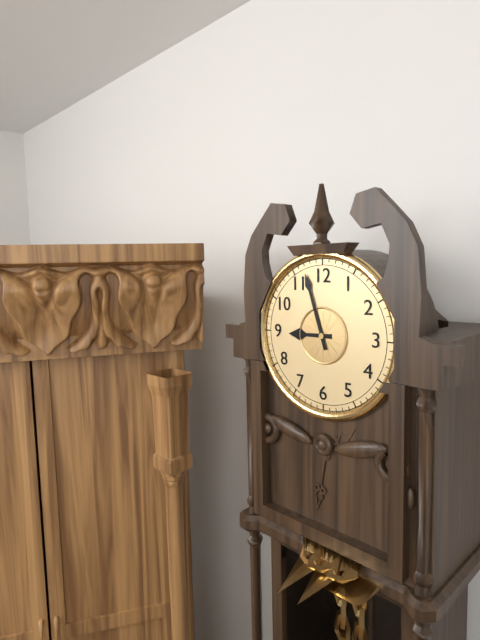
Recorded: **8:57**
